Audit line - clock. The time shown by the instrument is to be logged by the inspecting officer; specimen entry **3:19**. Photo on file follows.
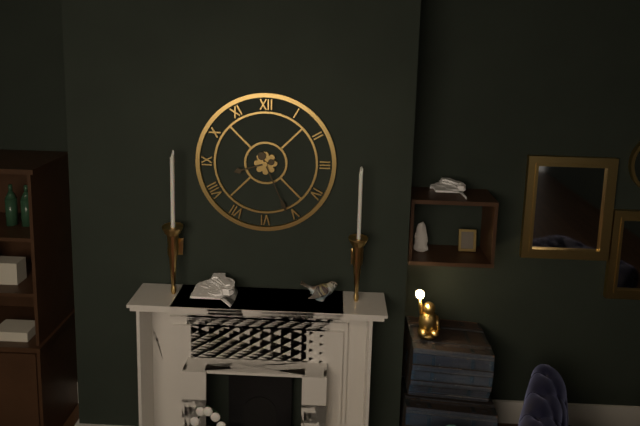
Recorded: **8:26**
